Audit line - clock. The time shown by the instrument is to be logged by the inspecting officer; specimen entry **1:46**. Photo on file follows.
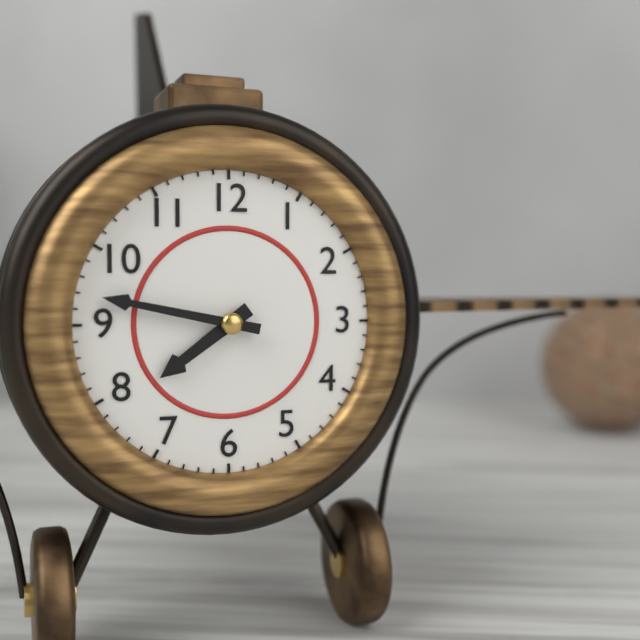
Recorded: **7:47**
